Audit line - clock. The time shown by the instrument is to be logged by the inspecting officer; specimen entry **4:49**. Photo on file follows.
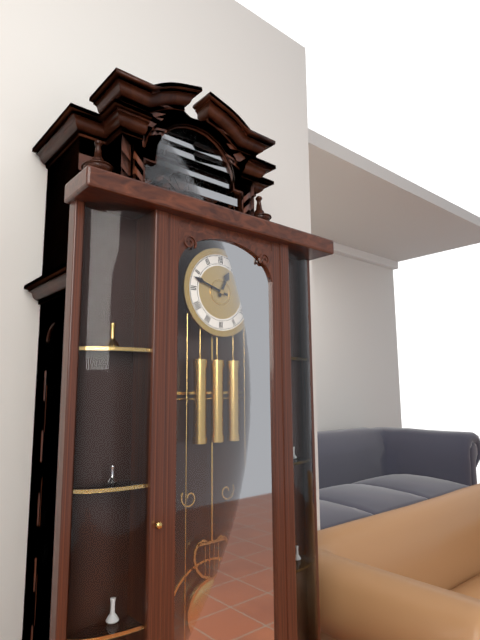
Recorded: **12:48**
